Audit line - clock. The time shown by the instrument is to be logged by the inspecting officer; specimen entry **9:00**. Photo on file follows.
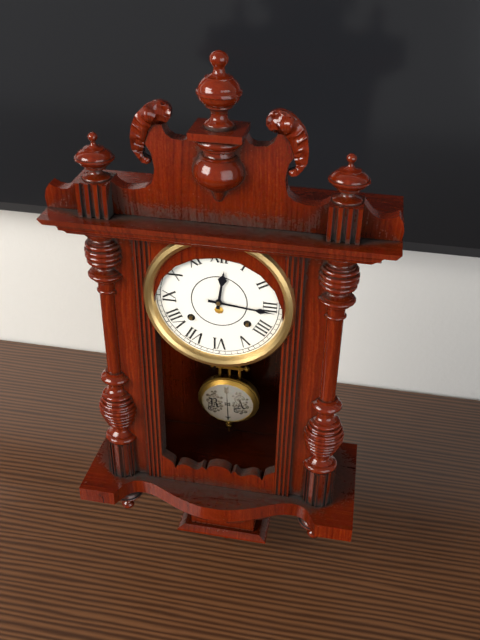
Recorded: **12:16**
